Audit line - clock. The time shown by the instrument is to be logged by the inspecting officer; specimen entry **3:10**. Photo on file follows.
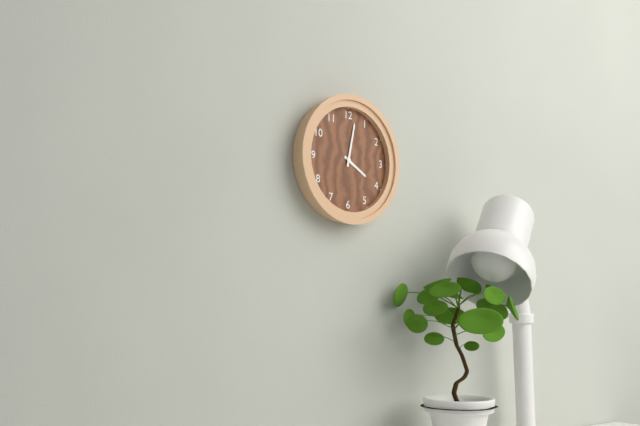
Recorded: **4:02**
